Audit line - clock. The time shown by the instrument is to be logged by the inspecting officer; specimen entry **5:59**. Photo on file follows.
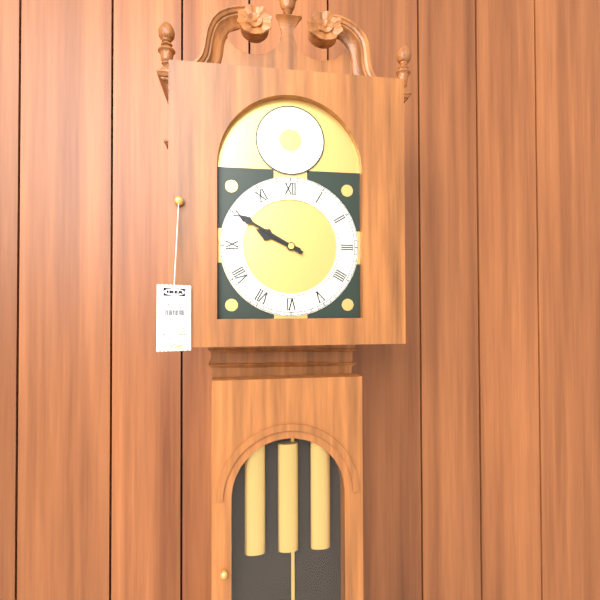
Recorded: **9:50**
